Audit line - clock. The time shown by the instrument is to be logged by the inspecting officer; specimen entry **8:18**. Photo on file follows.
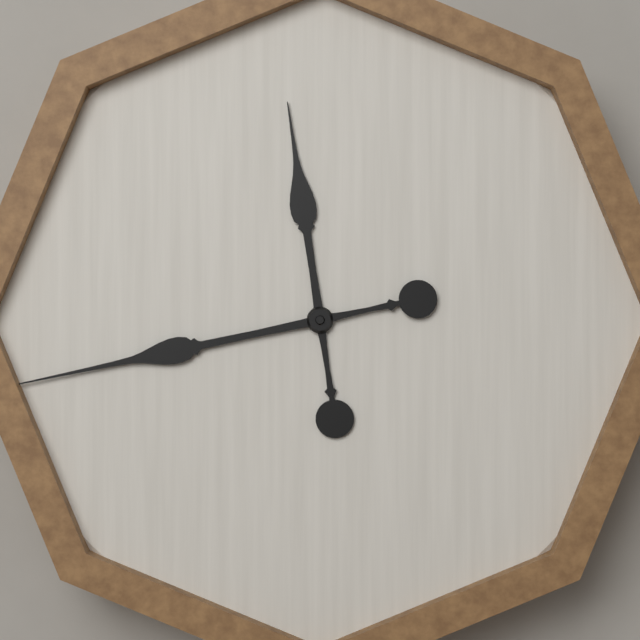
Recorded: **11:43**
